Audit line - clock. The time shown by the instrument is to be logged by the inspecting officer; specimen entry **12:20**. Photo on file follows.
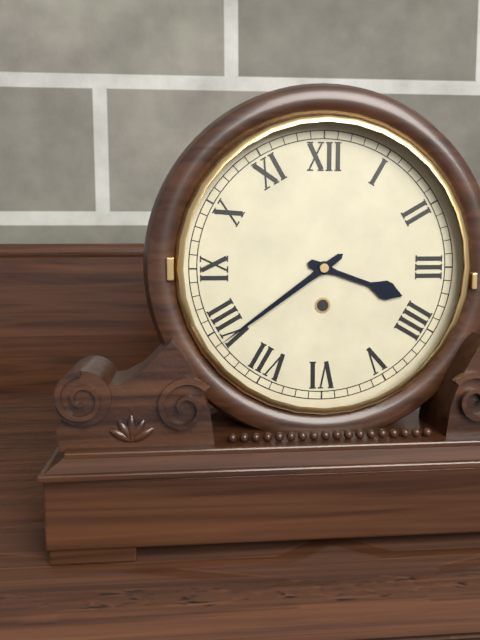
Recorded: **3:39**
